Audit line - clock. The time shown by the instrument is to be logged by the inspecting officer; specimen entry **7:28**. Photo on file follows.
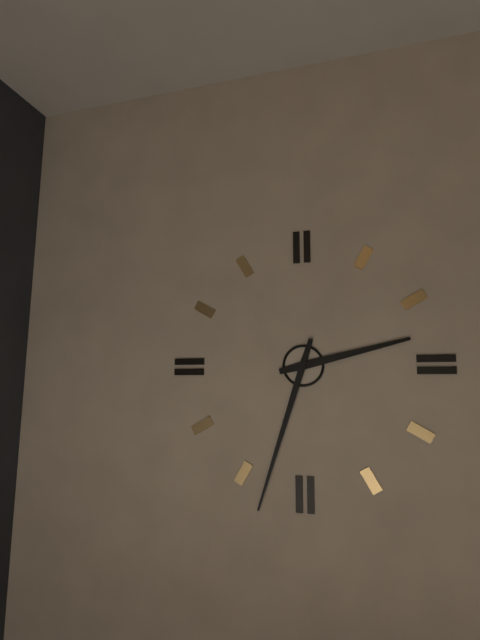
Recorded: **2:33**
